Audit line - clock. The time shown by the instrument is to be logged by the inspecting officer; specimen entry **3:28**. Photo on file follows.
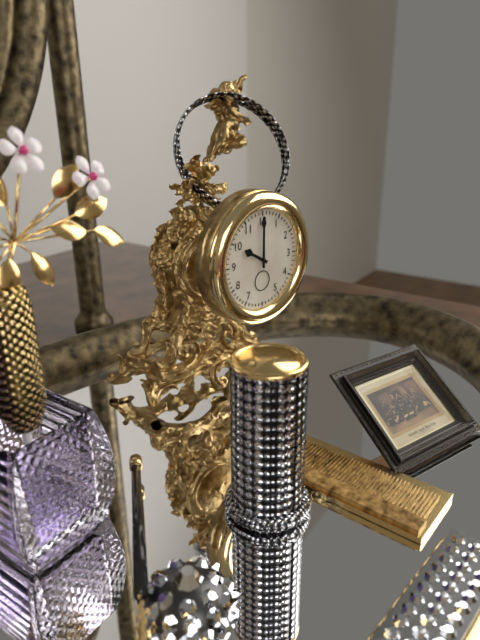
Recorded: **10:00**
